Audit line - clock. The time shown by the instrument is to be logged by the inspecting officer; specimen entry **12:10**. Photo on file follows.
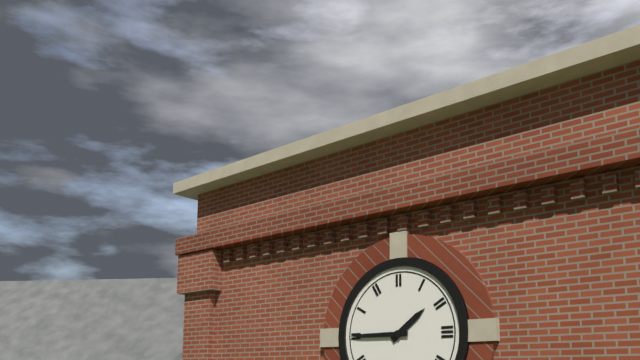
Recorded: **1:45**
